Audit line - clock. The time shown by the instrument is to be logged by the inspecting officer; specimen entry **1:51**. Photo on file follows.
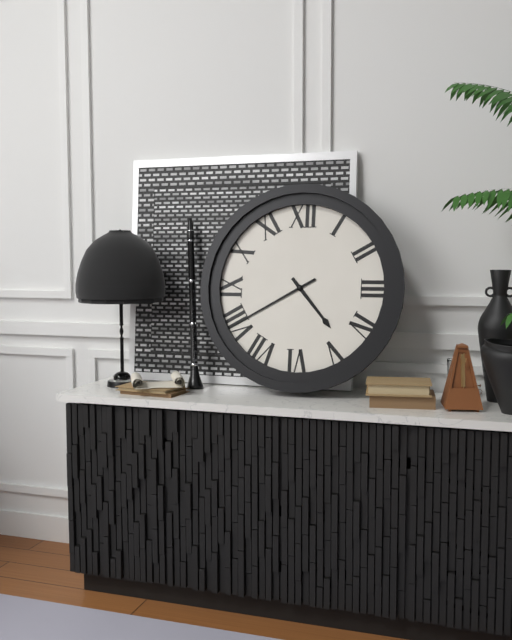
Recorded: **4:40**
